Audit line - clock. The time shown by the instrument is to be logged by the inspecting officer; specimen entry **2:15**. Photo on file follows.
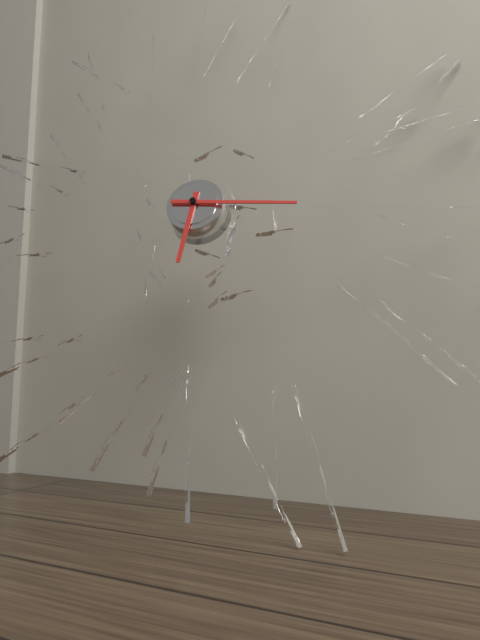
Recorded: **6:16**
